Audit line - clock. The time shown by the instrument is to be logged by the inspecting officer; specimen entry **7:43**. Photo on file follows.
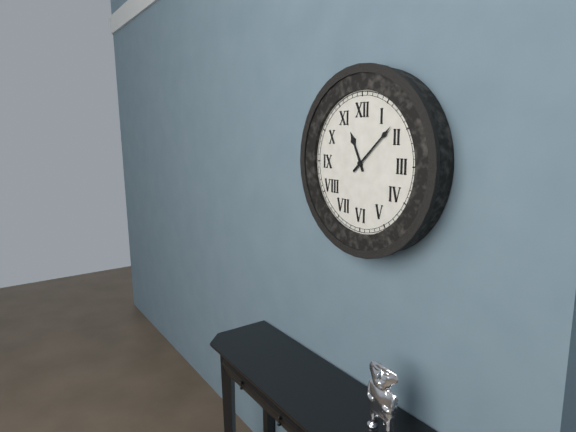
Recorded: **11:08**
